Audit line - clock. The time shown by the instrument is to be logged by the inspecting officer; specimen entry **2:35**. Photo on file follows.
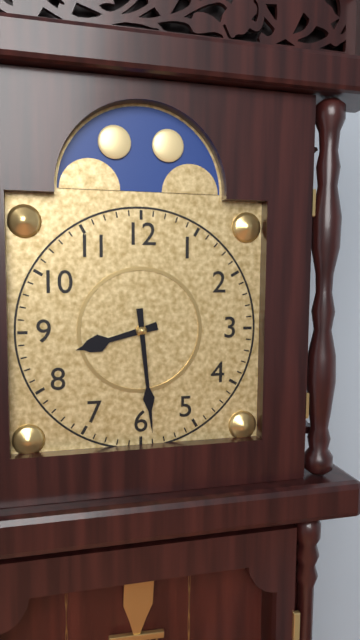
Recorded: **8:29**
